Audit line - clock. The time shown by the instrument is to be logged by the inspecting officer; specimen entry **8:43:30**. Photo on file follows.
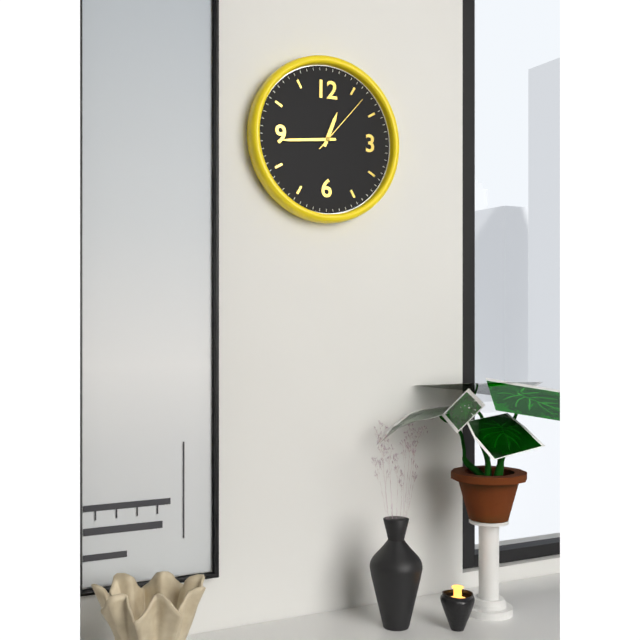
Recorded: **12:44:07**
